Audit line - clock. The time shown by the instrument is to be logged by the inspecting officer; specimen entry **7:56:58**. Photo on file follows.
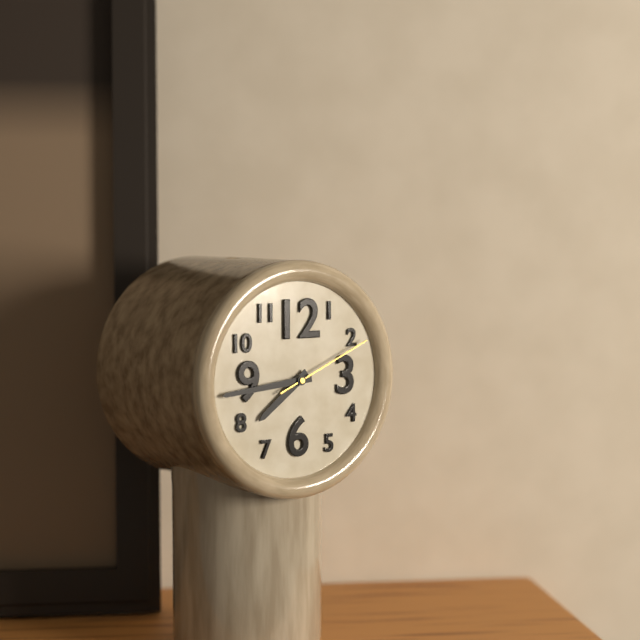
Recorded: **7:44:11**
